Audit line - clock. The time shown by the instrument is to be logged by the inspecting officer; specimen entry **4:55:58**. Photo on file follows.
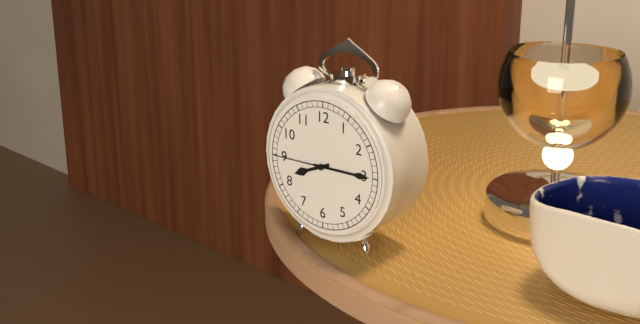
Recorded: **8:15:45**
